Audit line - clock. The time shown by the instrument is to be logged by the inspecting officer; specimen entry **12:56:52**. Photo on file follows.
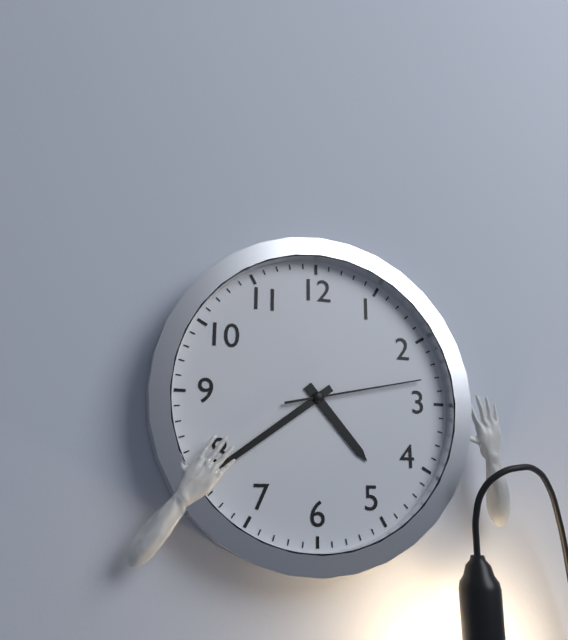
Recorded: **4:39:13**
